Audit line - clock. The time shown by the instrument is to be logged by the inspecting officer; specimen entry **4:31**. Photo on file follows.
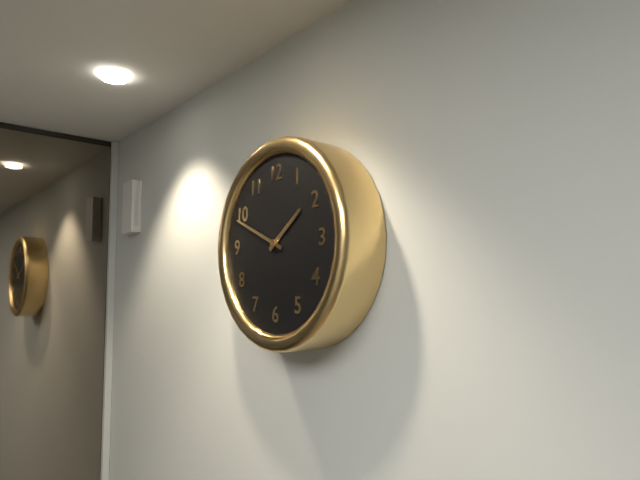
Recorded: **1:49**
